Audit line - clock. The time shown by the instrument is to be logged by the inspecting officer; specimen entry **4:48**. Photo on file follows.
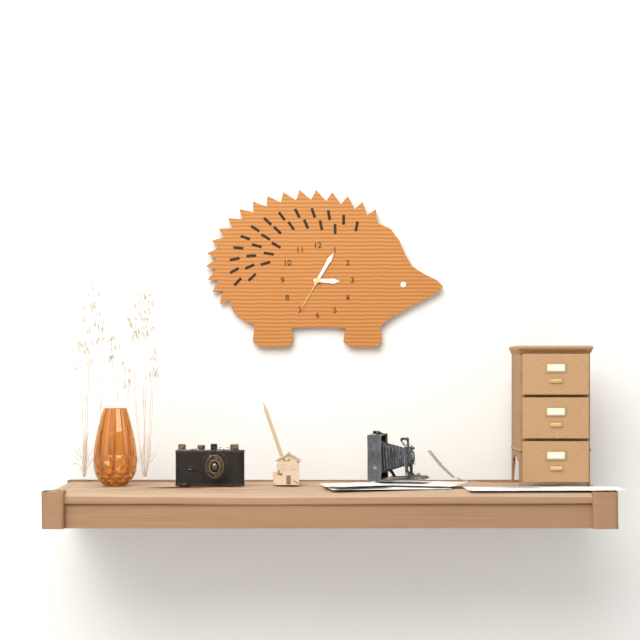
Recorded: **3:05**
